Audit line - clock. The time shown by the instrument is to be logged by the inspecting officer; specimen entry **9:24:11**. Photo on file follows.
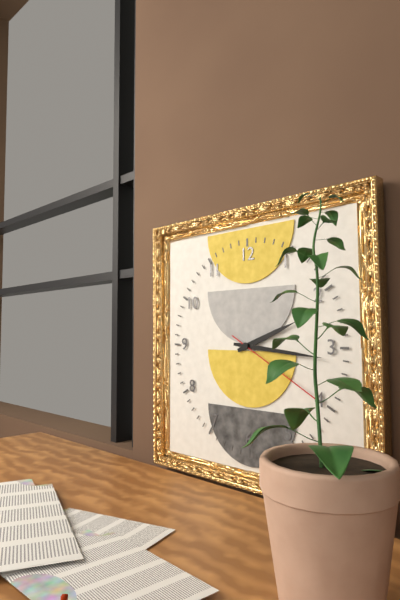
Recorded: **2:16:20**
